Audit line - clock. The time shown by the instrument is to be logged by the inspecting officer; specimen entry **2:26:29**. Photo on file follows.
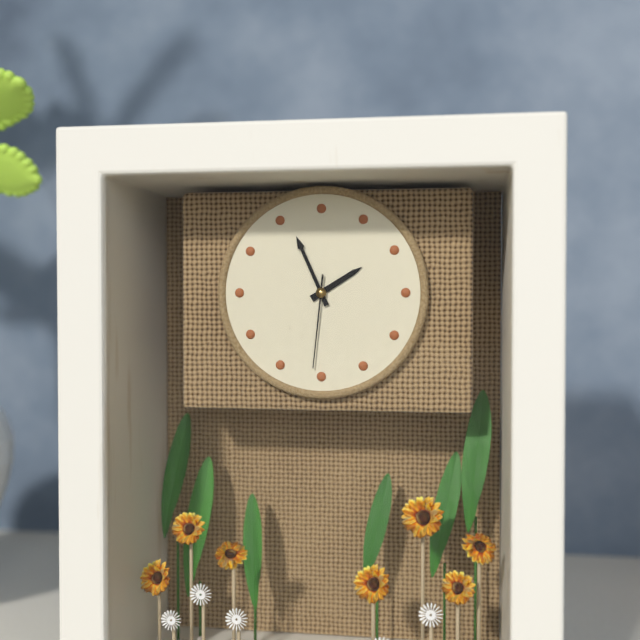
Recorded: **1:56:31**
